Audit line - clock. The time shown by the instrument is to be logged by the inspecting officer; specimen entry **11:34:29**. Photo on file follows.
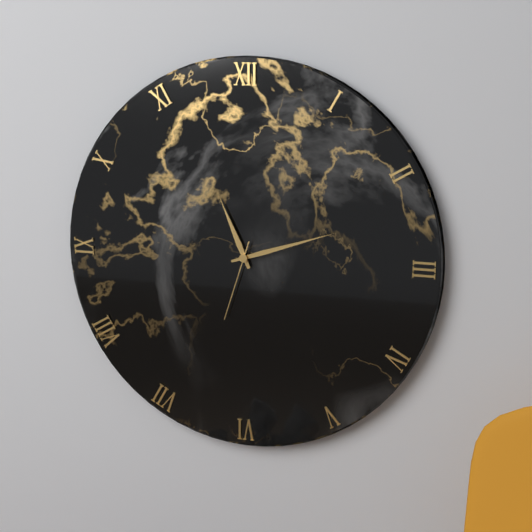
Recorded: **11:12:33**
